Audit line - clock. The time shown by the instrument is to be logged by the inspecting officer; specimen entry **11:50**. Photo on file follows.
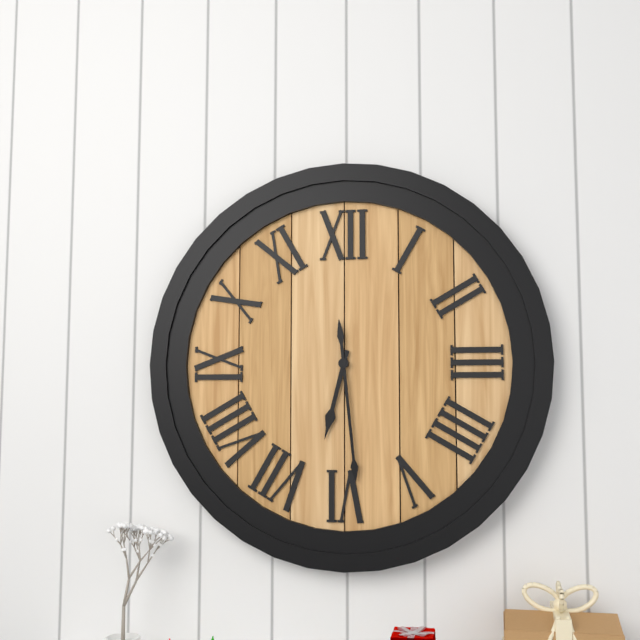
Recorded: **6:29**
